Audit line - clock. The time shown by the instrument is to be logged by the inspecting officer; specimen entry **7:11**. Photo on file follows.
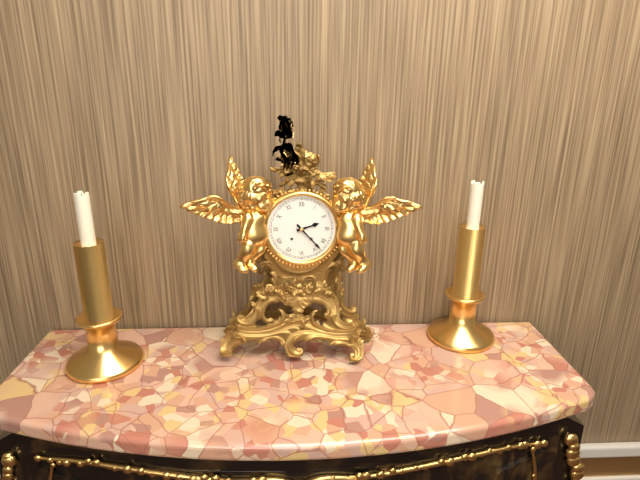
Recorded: **2:23**
